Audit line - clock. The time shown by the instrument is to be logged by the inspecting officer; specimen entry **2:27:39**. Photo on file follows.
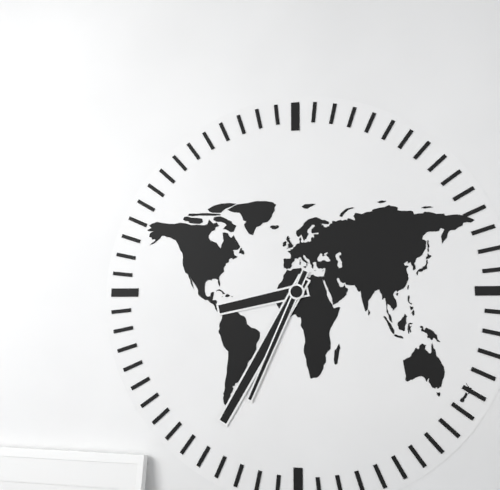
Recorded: **8:35:34**
